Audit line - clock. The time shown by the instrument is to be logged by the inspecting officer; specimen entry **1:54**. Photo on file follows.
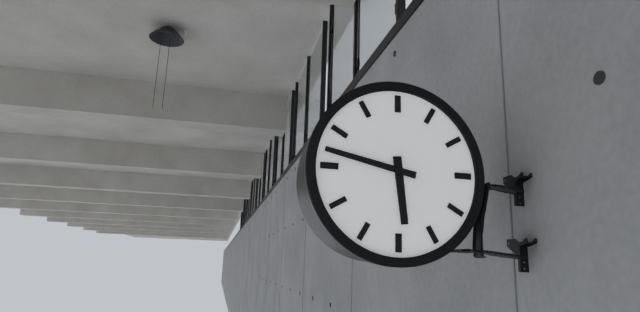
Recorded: **5:47**
